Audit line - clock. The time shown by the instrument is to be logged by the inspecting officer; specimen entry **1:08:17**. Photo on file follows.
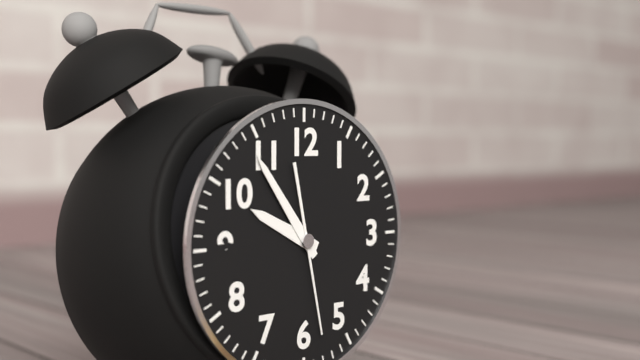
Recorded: **9:54:28**
